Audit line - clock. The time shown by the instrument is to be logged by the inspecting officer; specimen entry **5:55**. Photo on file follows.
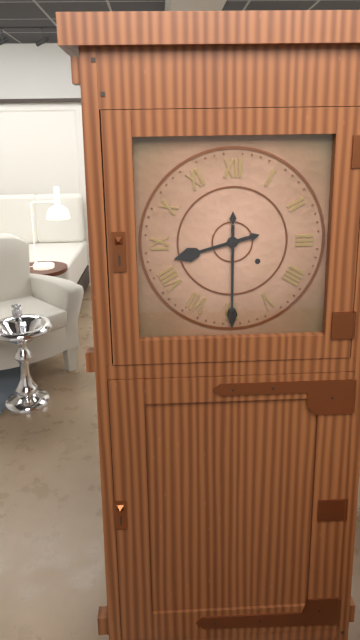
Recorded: **8:30**
